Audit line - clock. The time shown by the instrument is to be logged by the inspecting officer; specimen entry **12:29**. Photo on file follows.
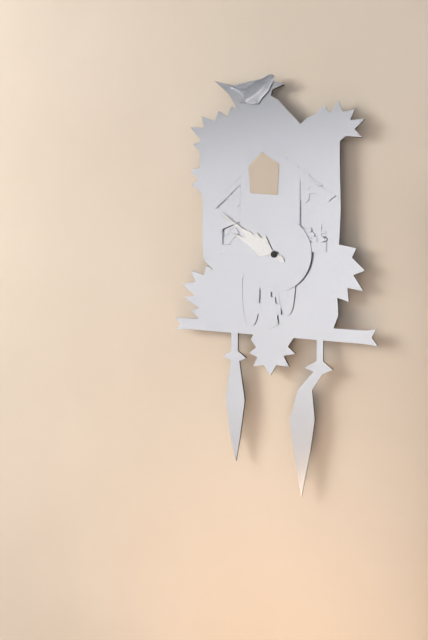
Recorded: **9:51**
